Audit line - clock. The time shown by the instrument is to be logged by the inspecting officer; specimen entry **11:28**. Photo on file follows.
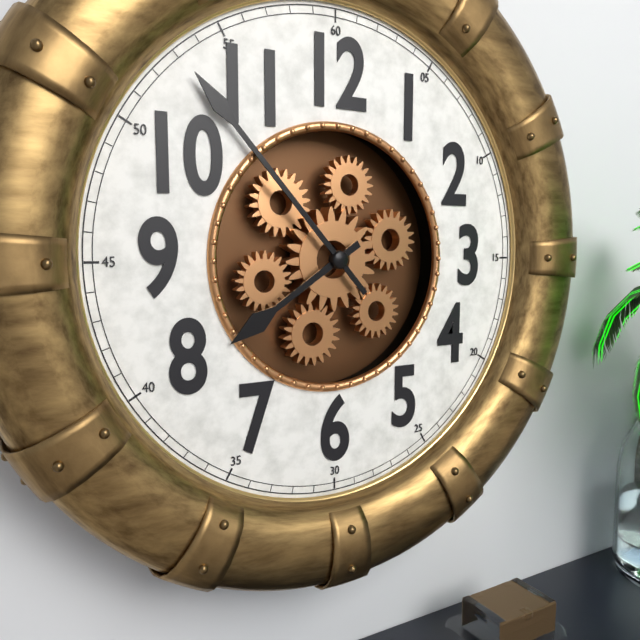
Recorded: **7:53**
